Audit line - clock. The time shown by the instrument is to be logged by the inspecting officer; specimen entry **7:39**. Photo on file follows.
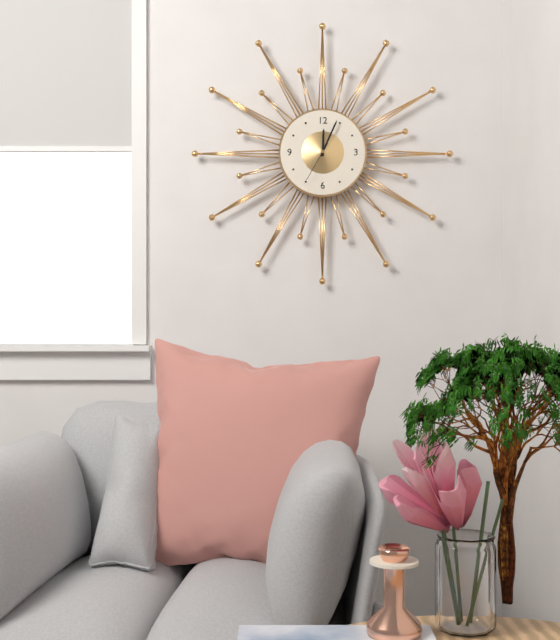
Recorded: **12:04**
